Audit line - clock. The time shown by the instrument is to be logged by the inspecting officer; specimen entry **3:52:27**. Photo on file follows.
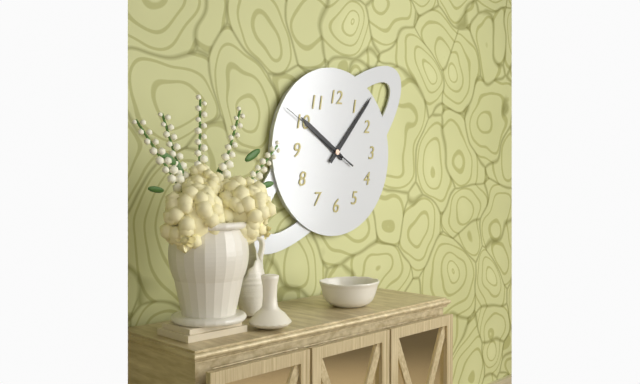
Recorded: **10:07:50**
